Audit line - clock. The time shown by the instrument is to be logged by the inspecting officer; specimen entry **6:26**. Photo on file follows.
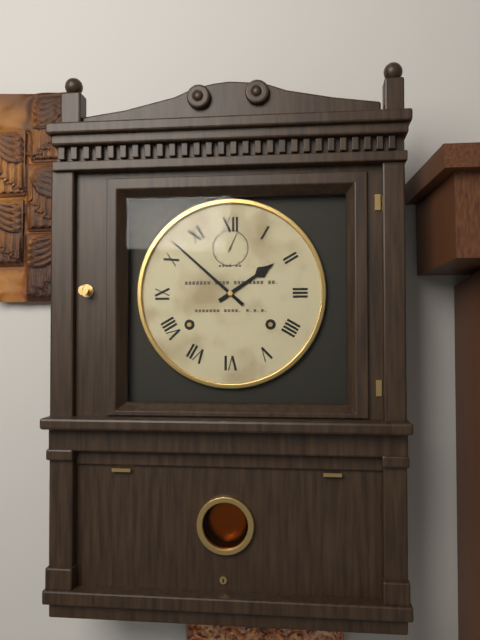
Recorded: **1:52**
